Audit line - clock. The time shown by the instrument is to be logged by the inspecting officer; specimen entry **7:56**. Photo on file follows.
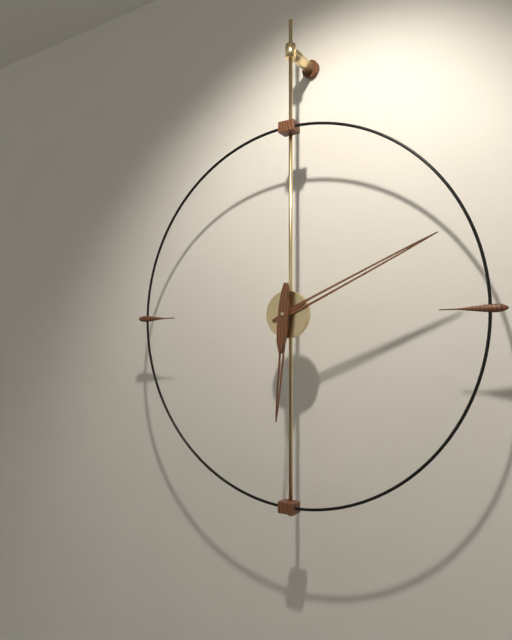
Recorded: **6:11**
